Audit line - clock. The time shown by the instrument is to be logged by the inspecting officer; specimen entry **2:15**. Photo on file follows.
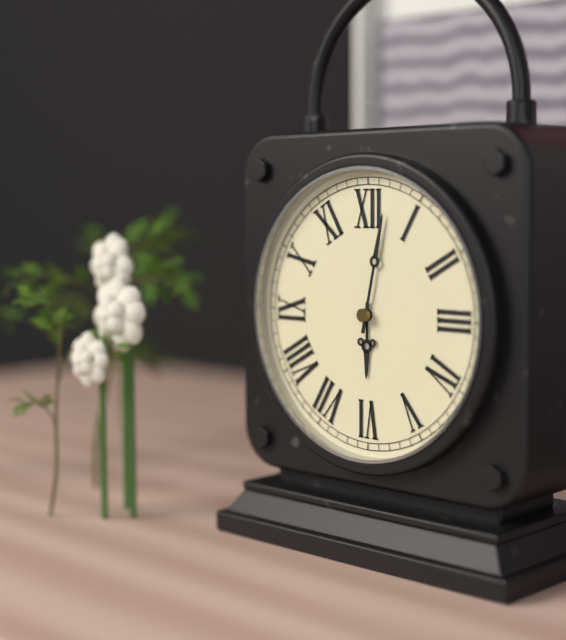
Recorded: **6:02**
